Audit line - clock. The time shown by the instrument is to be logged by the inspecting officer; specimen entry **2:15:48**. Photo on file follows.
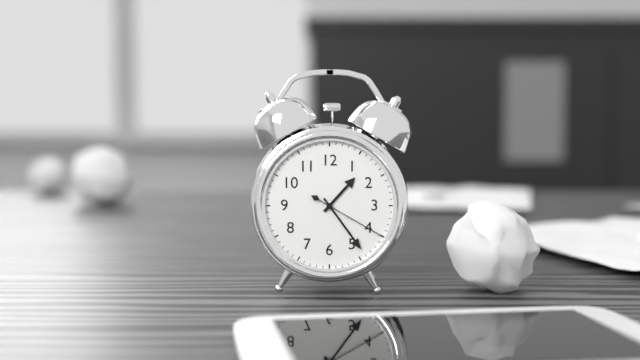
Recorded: **1:24:20**
